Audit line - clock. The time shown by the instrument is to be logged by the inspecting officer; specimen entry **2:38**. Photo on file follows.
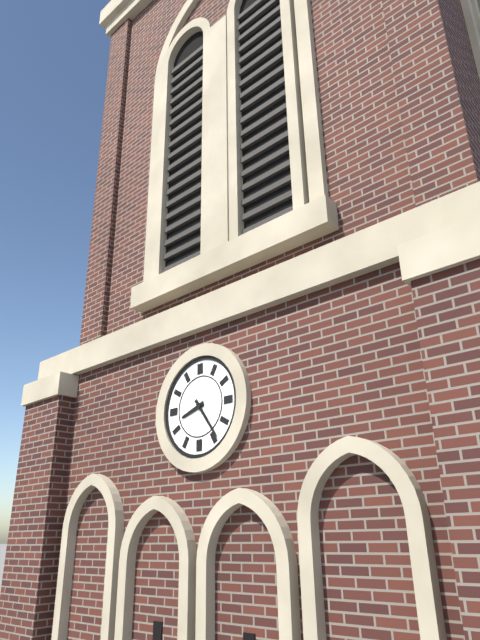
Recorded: **8:24**
